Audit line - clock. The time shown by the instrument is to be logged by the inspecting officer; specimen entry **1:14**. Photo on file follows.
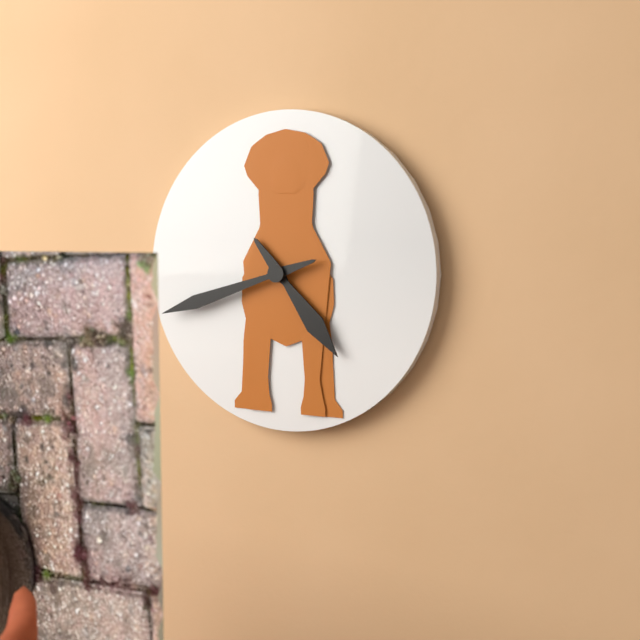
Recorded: **4:42**
